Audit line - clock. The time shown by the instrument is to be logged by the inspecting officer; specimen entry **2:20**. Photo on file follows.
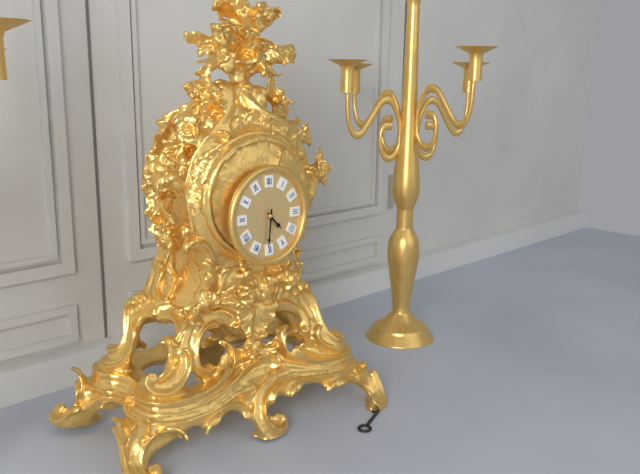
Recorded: **4:31**
